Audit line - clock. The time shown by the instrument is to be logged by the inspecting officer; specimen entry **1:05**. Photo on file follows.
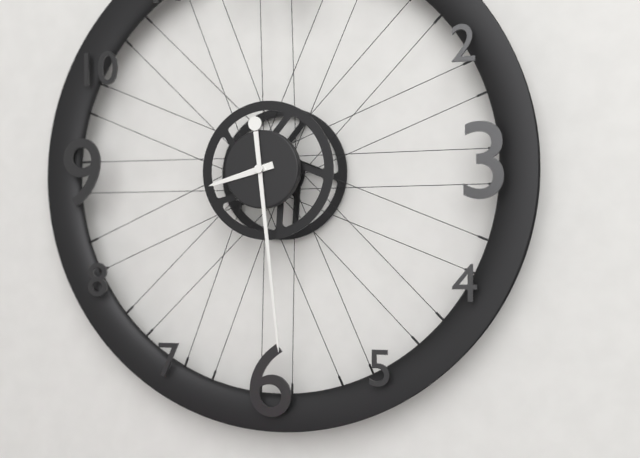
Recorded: **8:29**
